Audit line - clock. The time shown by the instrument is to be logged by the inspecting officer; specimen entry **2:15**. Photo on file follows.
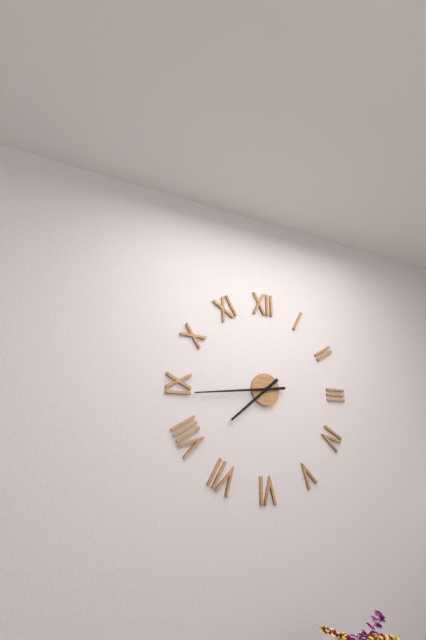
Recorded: **7:44**
